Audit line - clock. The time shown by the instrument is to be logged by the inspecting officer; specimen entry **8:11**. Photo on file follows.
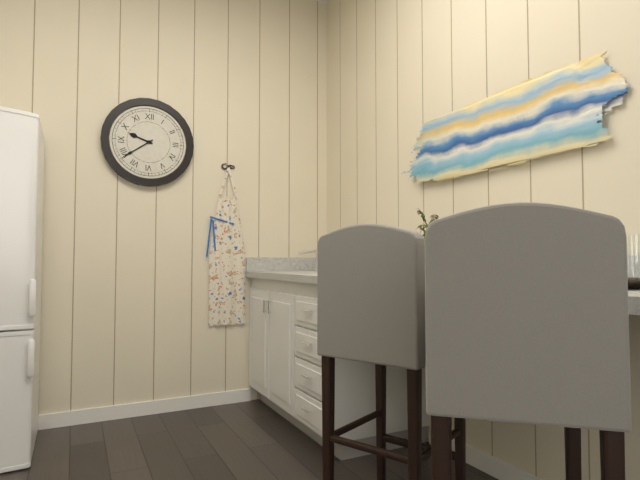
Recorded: **9:39**
